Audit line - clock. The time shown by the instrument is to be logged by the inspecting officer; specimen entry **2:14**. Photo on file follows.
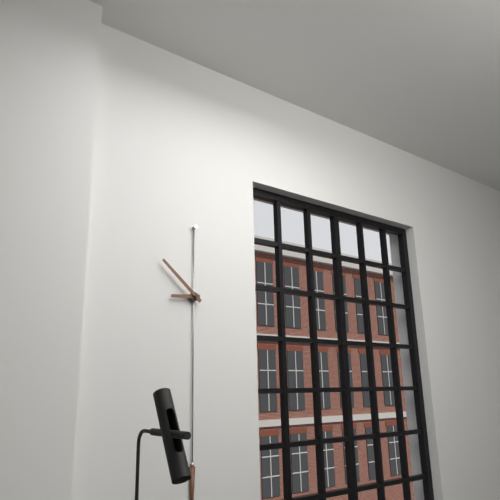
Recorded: **8:52**
